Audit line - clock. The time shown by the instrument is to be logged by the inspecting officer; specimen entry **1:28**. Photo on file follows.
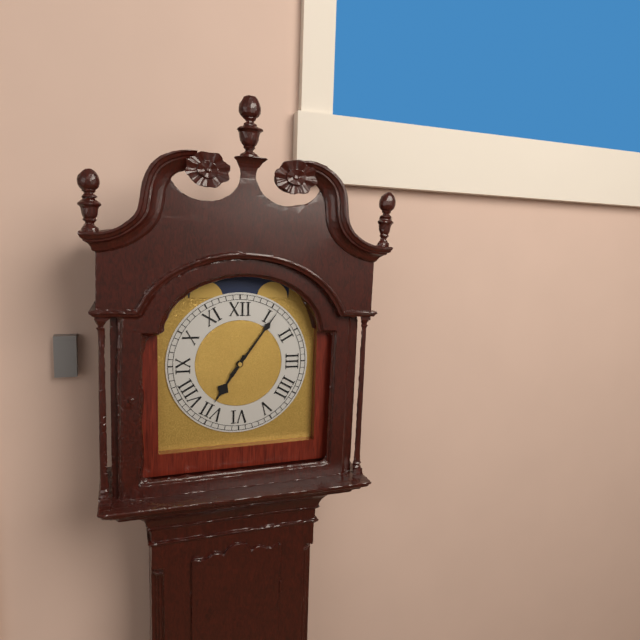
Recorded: **7:06**
